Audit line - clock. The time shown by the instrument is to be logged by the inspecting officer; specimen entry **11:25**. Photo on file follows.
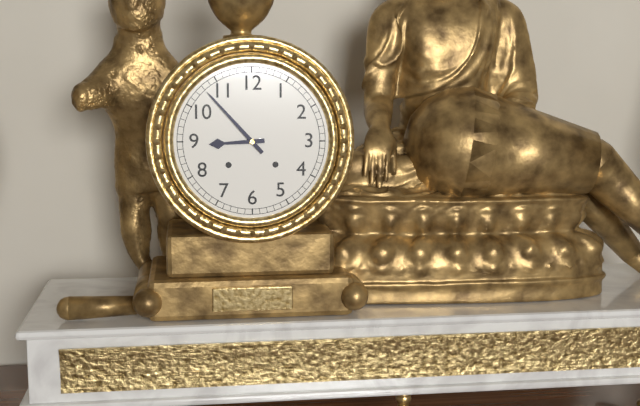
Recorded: **8:53**
